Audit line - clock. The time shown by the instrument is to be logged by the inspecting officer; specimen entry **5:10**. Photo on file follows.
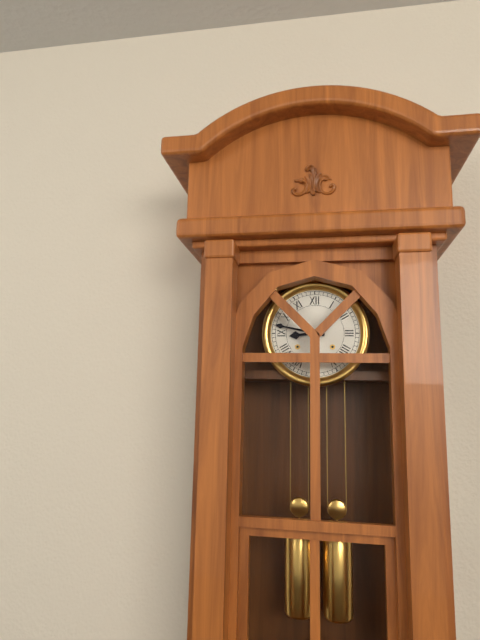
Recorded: **8:47**
